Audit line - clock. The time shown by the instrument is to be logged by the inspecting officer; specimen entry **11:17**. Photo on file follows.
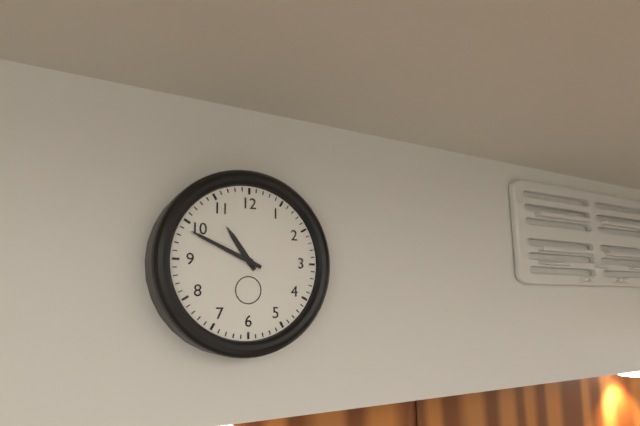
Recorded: **10:49**
